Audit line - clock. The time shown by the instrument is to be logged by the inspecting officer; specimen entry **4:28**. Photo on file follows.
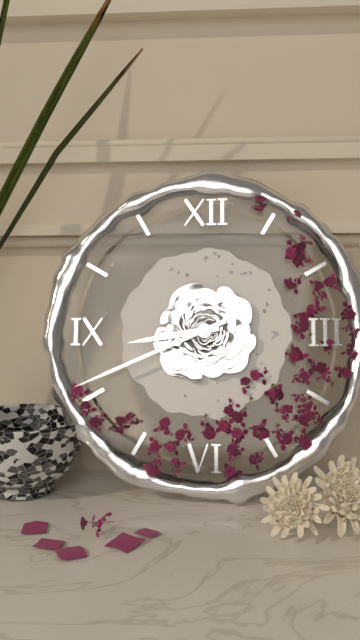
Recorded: **8:41**
